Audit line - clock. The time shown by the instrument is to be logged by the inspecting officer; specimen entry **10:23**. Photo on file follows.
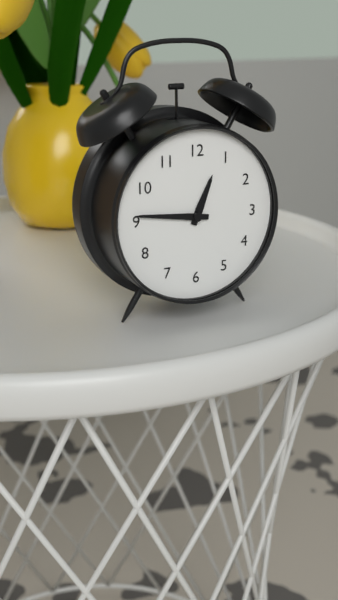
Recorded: **12:46**
